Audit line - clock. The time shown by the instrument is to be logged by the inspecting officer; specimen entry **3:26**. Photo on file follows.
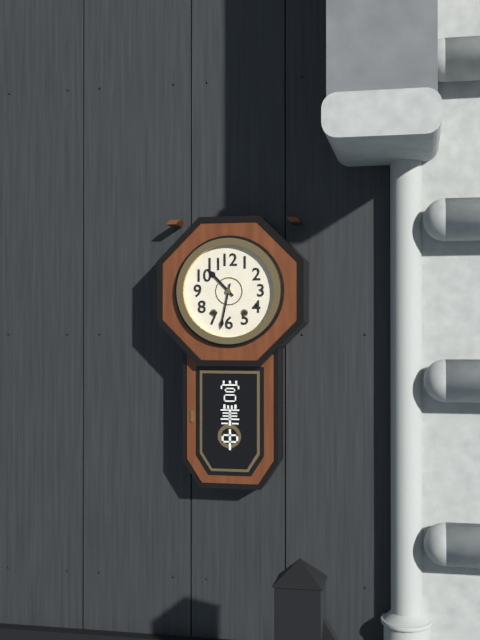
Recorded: **10:32**
